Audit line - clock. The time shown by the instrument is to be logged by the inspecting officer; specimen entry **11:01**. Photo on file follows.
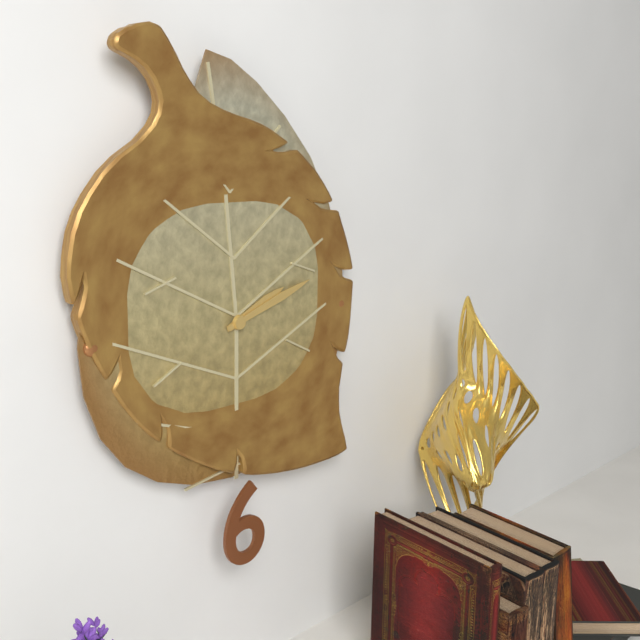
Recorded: **2:12**
